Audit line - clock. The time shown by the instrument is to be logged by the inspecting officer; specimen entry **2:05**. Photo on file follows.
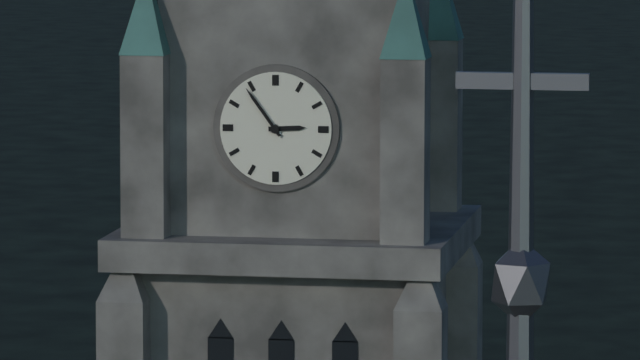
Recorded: **2:54**
